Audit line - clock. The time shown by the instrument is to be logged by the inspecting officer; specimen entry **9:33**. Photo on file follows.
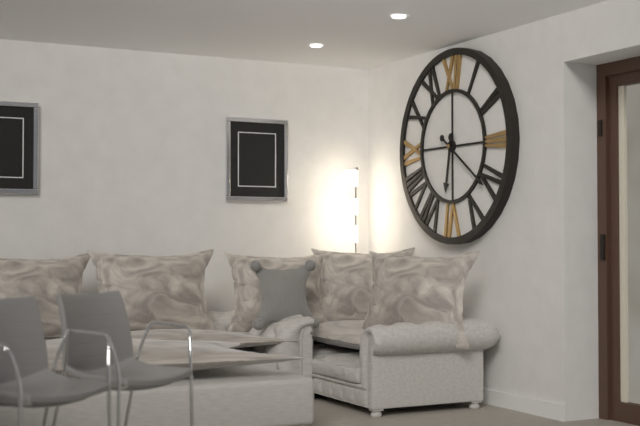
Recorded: **6:21**
